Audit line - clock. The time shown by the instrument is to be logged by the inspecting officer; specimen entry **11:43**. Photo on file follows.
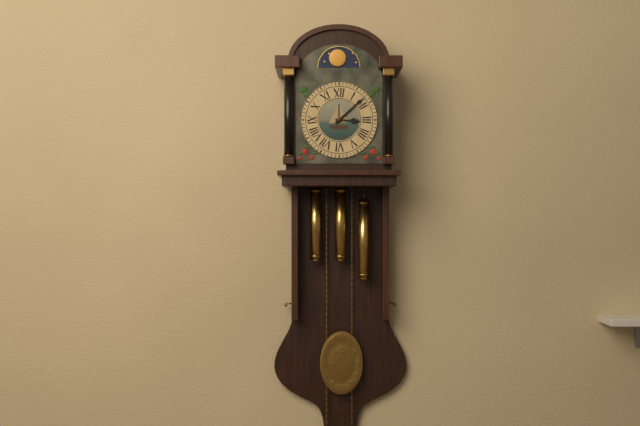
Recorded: **3:08**
